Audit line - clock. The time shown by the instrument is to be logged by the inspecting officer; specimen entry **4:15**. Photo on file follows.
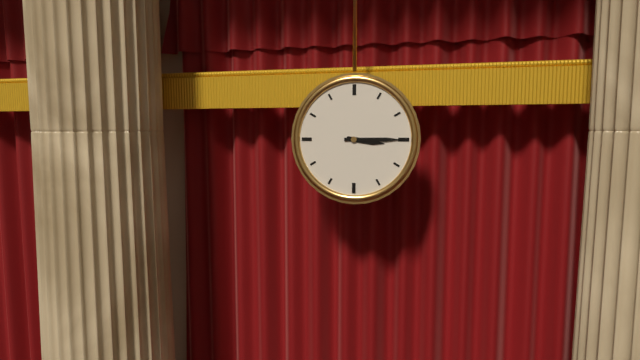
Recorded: **3:15**
